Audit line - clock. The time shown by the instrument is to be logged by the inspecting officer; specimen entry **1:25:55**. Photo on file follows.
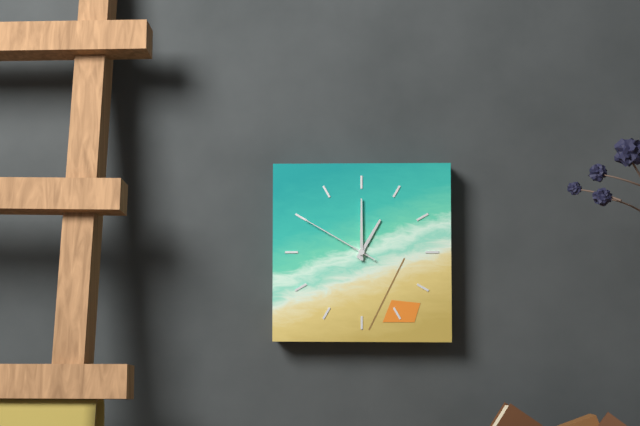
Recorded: **1:00:50**
